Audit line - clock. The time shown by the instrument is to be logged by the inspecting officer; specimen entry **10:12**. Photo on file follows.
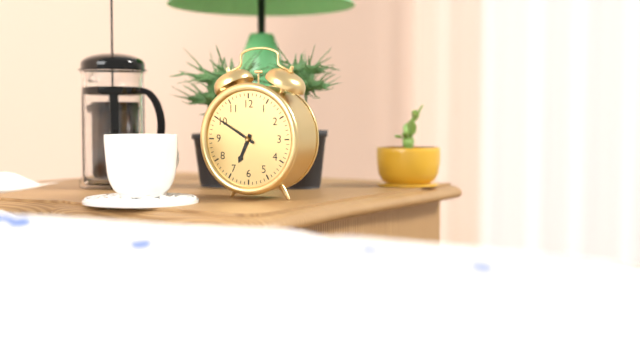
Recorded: **6:50**
